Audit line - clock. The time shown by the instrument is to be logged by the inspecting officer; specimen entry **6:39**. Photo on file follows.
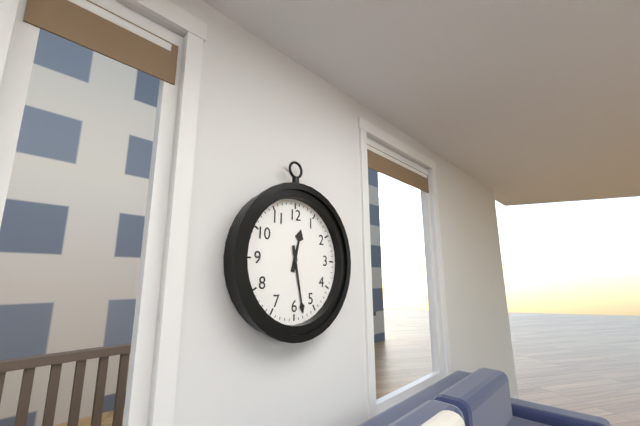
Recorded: **12:28**
